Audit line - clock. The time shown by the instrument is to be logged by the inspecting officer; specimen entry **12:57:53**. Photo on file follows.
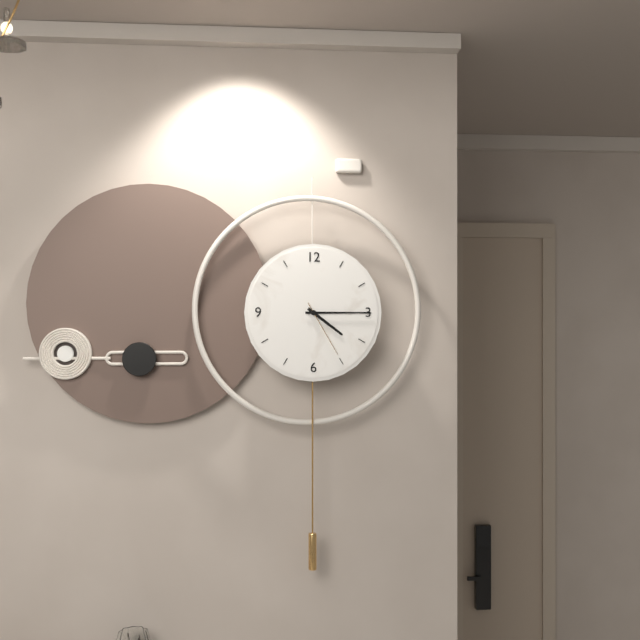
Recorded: **4:15:25**
